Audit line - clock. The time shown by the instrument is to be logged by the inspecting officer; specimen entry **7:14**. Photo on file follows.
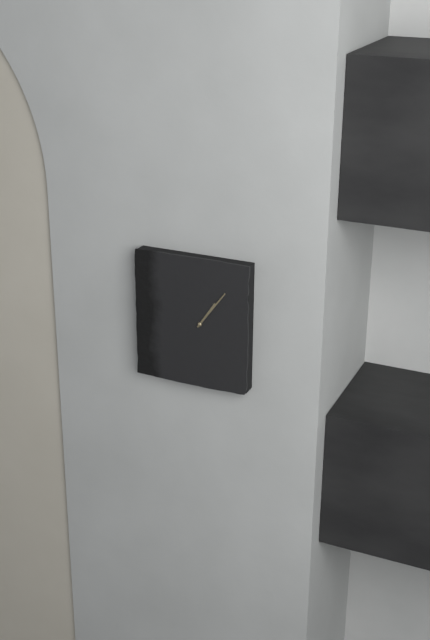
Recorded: **1:06**
